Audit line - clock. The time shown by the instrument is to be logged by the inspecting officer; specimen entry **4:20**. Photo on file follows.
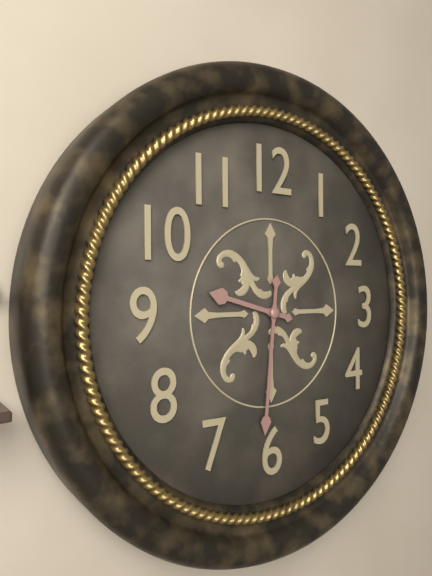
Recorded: **9:31**
